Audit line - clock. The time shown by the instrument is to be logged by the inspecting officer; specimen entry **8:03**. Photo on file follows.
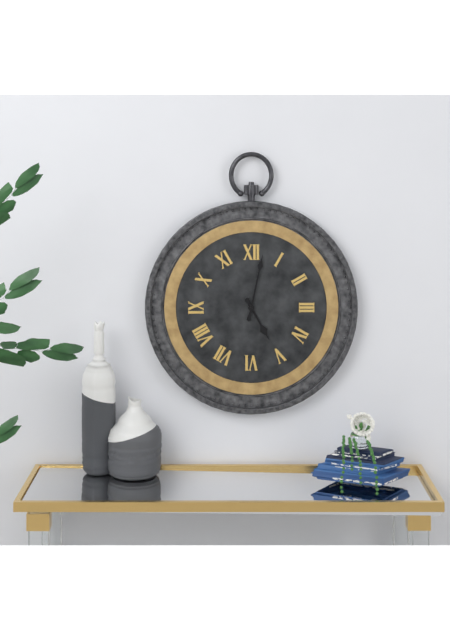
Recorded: **5:02**
